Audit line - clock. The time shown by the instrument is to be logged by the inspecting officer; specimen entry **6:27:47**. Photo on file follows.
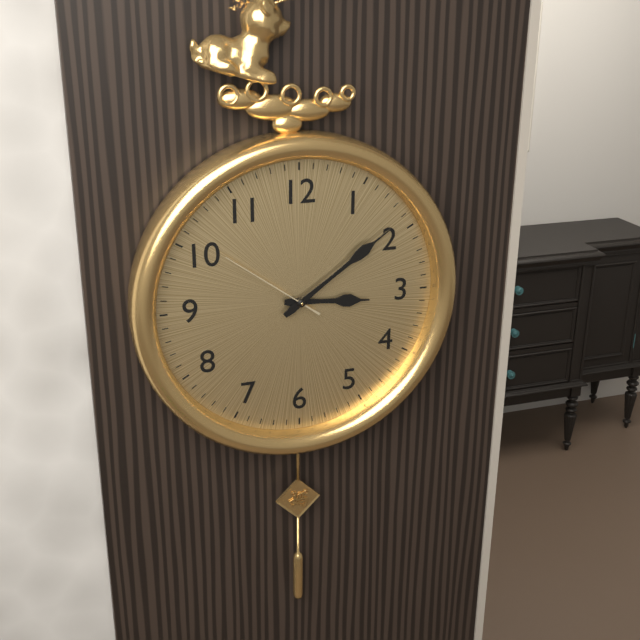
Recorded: **3:09:51**
